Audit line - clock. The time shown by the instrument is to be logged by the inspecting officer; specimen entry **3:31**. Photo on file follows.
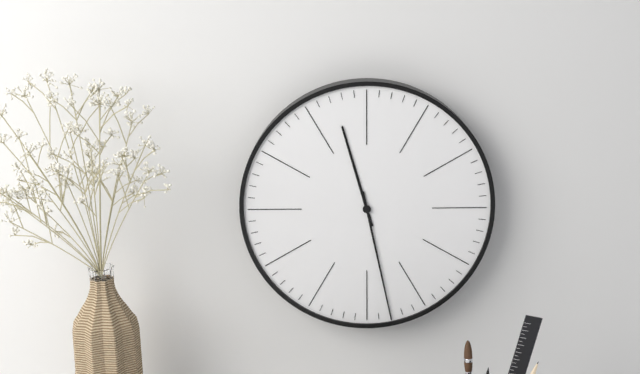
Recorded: **11:28**
